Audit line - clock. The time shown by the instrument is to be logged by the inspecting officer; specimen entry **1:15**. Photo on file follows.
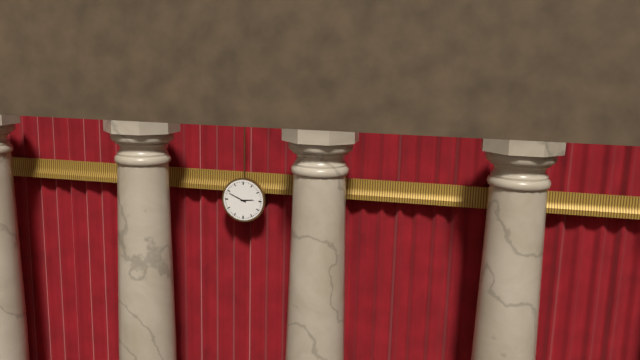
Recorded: **2:49**
